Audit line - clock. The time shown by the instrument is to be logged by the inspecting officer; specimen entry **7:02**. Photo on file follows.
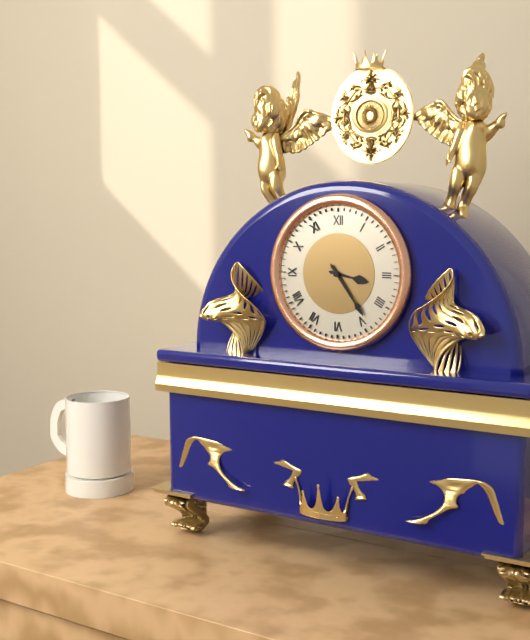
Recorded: **3:24**
